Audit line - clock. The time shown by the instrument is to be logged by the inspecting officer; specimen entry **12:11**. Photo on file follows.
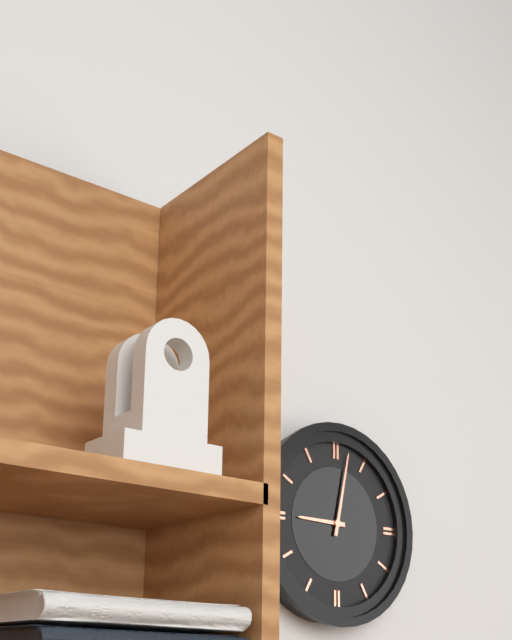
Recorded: **9:02**
